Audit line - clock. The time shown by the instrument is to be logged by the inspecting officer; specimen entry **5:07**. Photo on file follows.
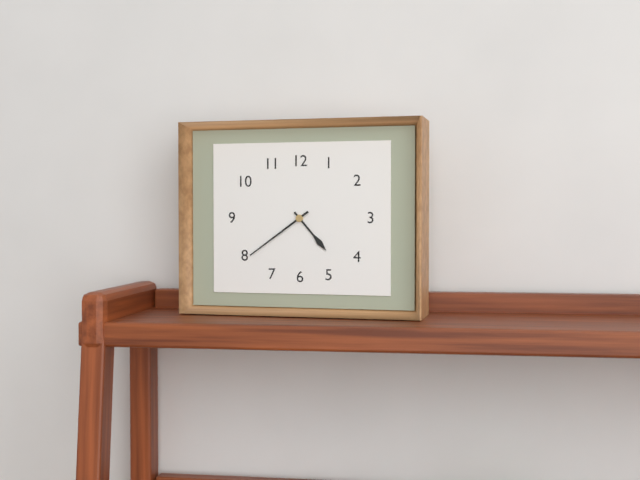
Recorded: **4:39**
